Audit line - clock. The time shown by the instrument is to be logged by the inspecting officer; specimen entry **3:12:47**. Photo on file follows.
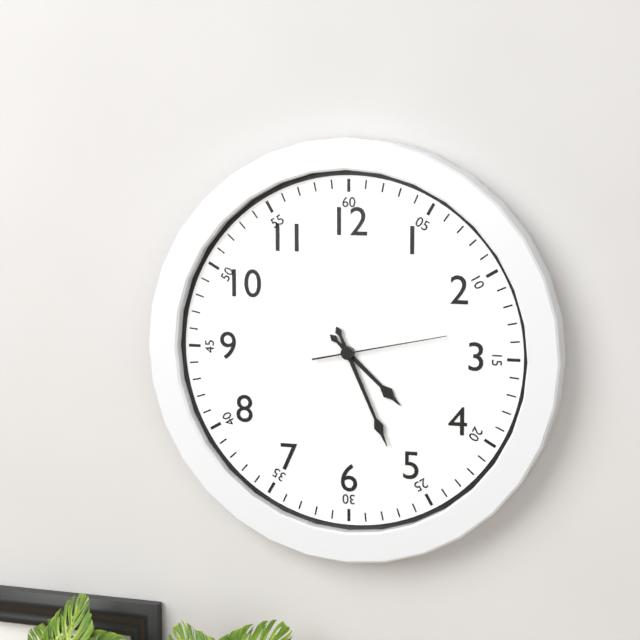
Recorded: **4:26:13**
